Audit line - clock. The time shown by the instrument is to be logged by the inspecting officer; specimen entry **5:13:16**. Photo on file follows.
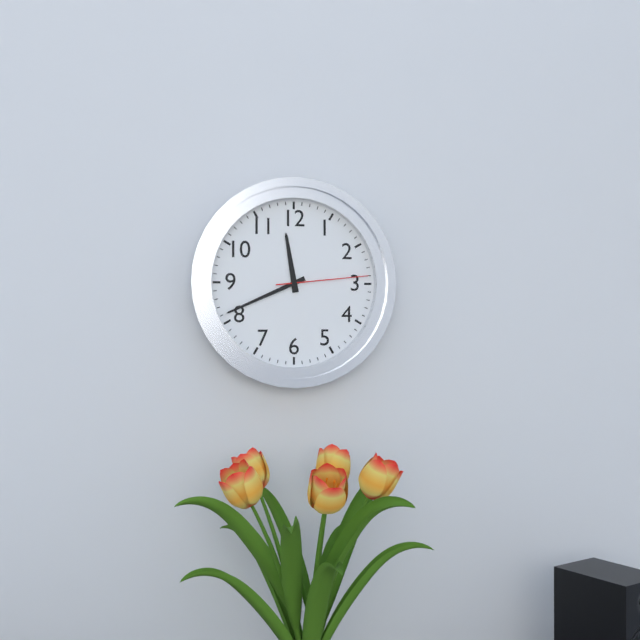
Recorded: **11:41:14**
